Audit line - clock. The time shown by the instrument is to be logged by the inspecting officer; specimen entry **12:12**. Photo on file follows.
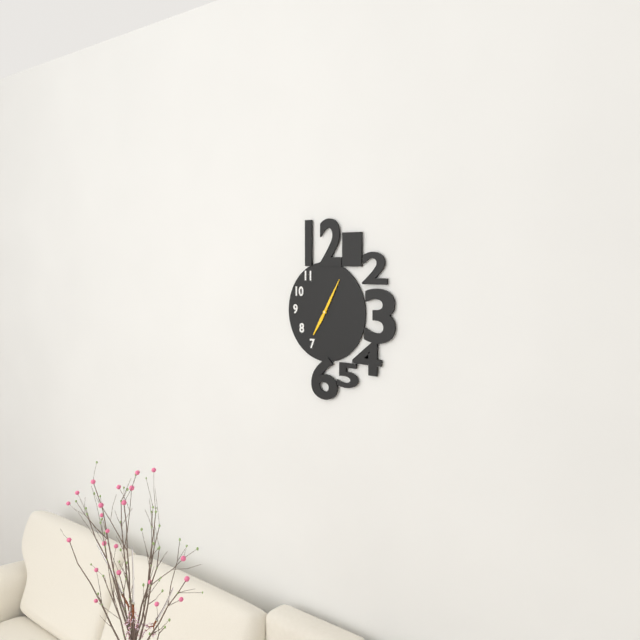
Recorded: **7:05**
